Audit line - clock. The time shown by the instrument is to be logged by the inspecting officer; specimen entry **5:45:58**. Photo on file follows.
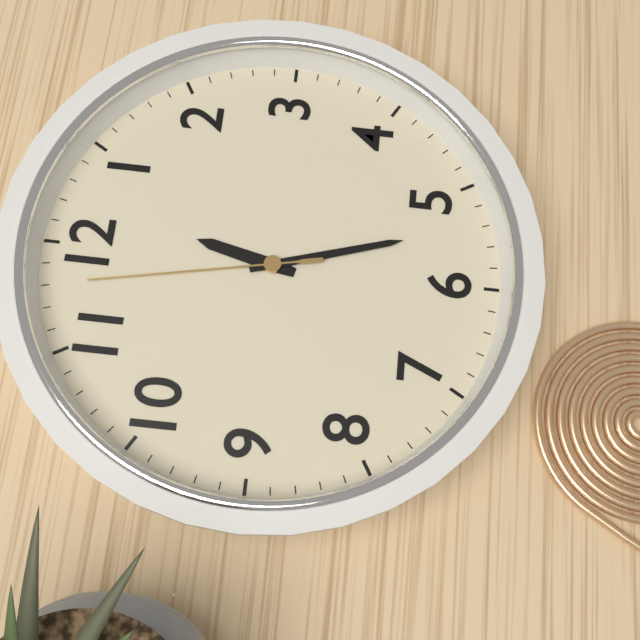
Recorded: **12:27:58**
